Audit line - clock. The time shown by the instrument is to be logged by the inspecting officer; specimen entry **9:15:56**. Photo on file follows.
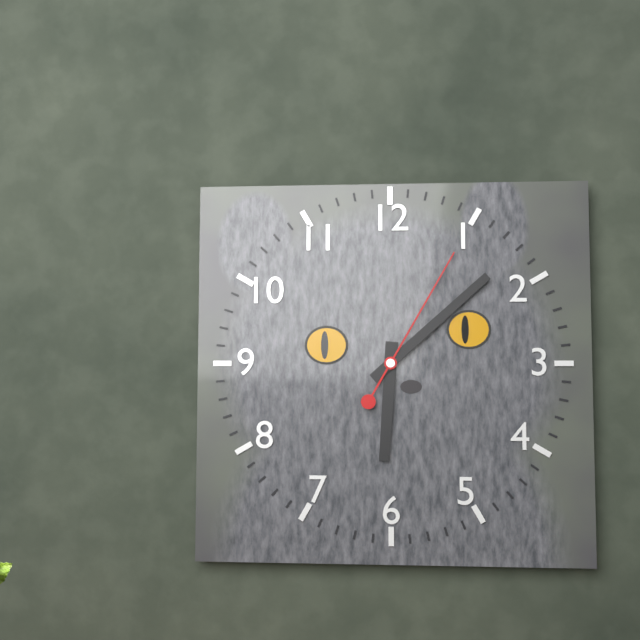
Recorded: **6:08:05**
